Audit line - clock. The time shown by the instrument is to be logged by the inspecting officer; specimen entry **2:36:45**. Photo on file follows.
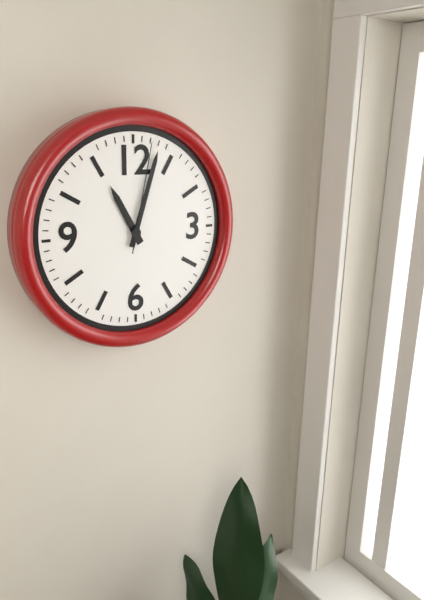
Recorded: **11:03:02**
